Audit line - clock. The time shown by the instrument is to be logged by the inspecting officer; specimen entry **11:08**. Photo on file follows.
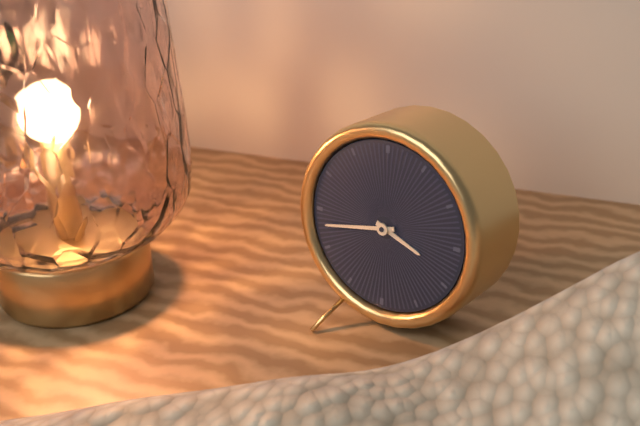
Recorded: **3:43**
